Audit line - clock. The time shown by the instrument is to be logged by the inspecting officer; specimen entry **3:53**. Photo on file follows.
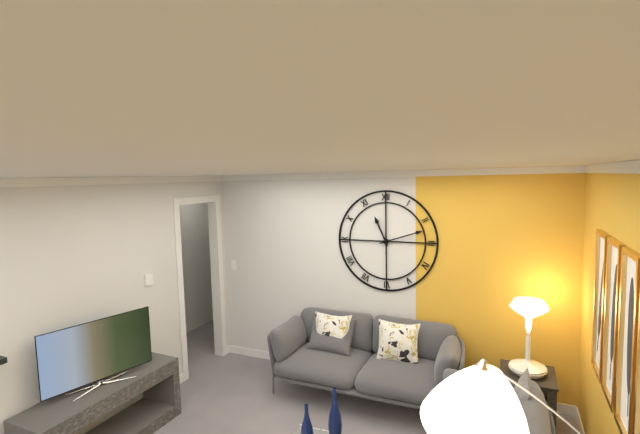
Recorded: **11:12**
